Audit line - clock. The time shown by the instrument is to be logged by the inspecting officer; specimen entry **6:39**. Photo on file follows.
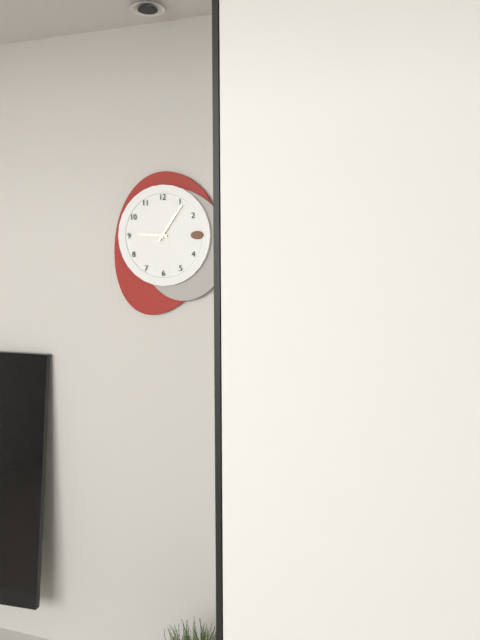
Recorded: **9:06**
